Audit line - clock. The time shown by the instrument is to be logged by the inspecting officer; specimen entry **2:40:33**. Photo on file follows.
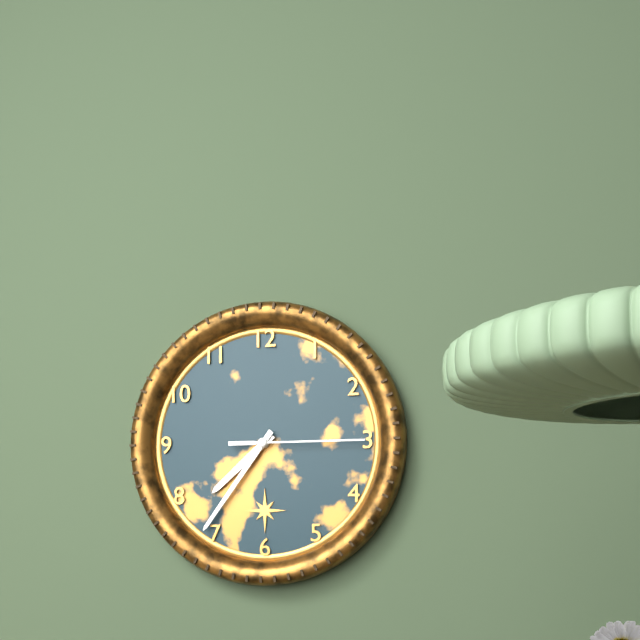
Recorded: **7:36:15**
